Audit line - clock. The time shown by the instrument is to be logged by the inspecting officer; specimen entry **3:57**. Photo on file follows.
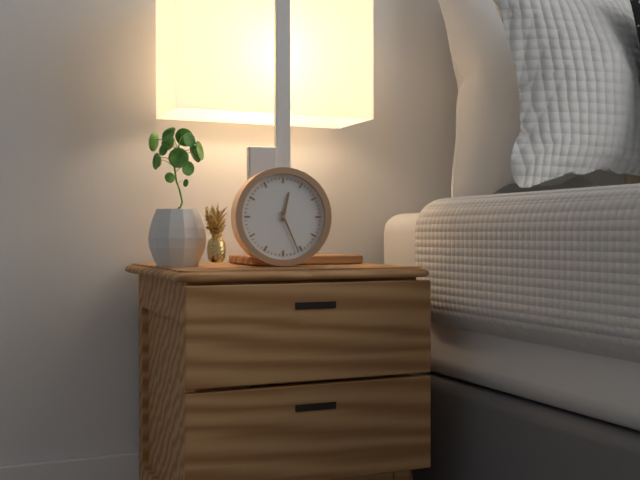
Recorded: **12:26**
